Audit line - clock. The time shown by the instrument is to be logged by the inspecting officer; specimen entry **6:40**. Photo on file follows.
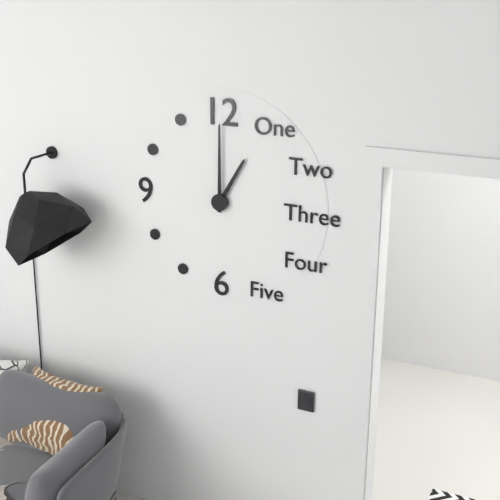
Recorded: **1:00**
